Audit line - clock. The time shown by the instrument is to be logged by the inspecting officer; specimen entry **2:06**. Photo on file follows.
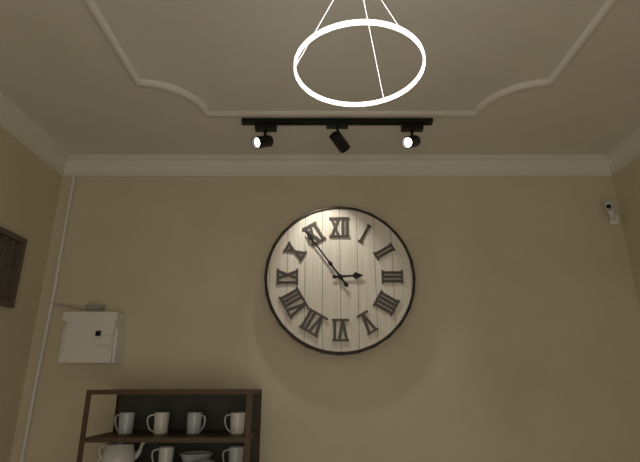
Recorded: **2:54**
